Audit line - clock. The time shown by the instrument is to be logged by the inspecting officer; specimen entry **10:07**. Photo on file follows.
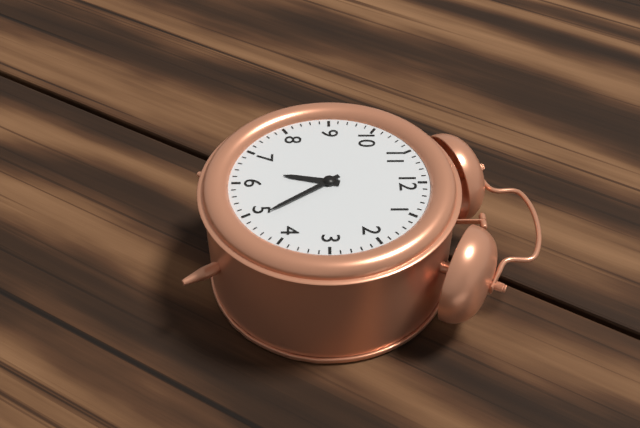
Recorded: **6:24**
